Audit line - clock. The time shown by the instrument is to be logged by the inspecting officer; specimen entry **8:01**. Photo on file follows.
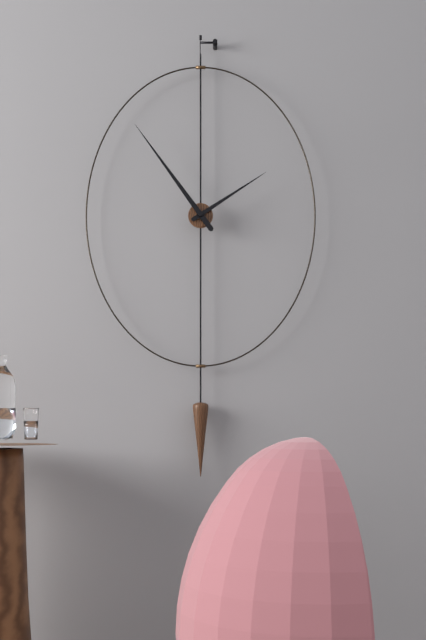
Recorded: **1:54**
